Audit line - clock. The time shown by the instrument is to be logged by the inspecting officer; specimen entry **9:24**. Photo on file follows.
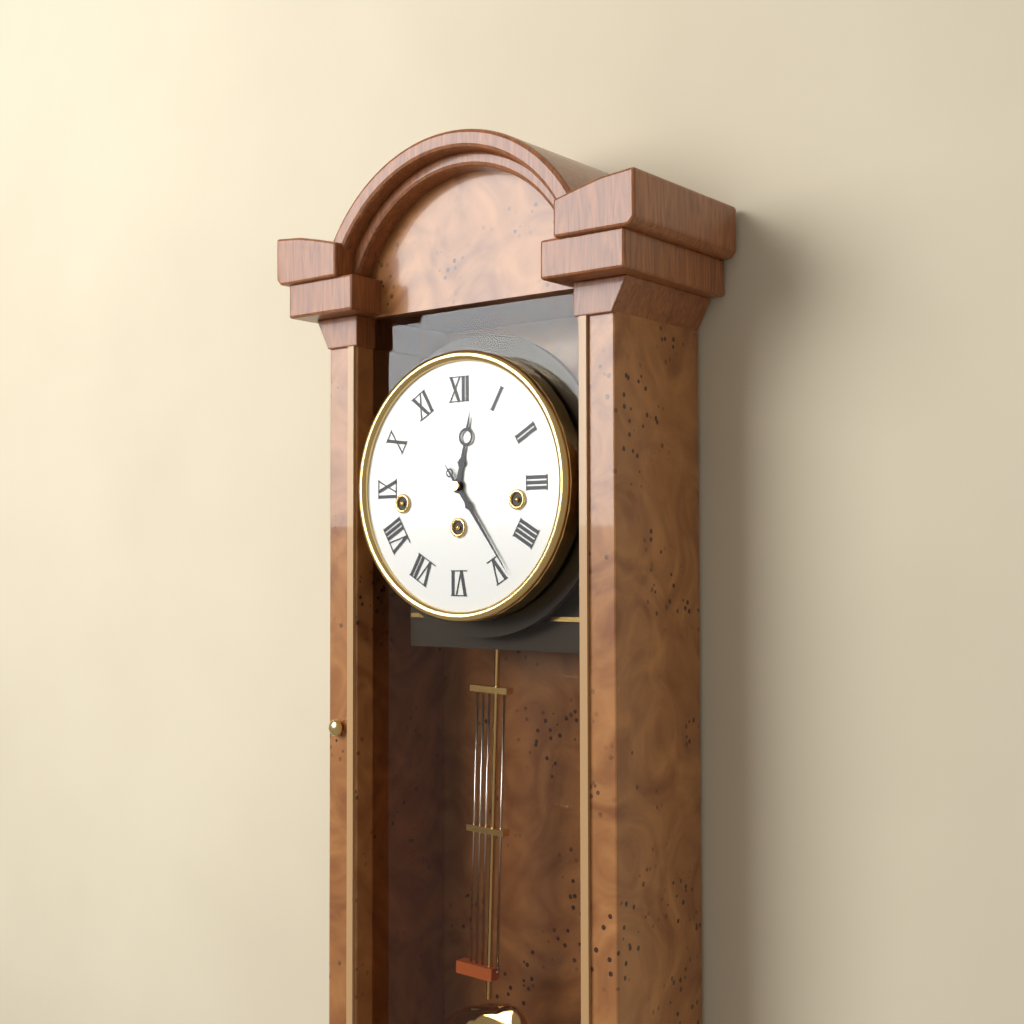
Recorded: **12:24**
